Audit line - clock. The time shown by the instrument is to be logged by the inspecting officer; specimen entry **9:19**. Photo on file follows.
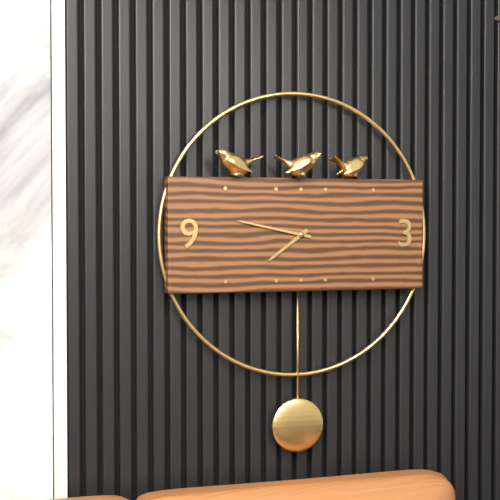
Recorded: **7:47**
